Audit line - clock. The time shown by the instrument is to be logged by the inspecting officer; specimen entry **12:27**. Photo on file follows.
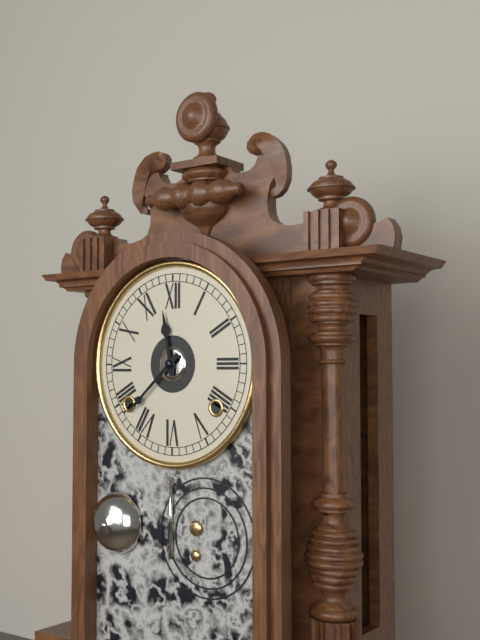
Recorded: **11:38**
